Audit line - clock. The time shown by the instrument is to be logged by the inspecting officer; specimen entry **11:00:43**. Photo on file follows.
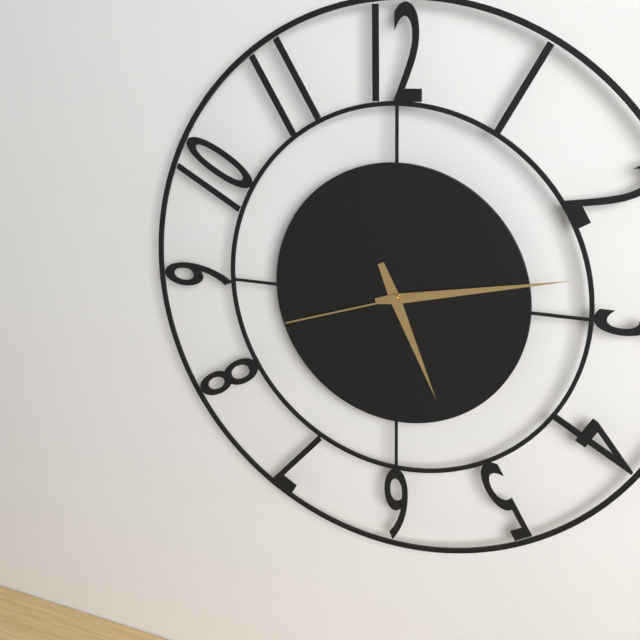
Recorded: **5:13:42**
